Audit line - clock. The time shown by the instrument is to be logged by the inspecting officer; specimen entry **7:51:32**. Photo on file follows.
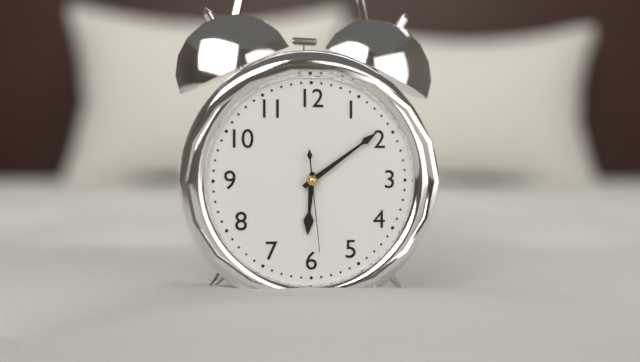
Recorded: **6:09:29**
